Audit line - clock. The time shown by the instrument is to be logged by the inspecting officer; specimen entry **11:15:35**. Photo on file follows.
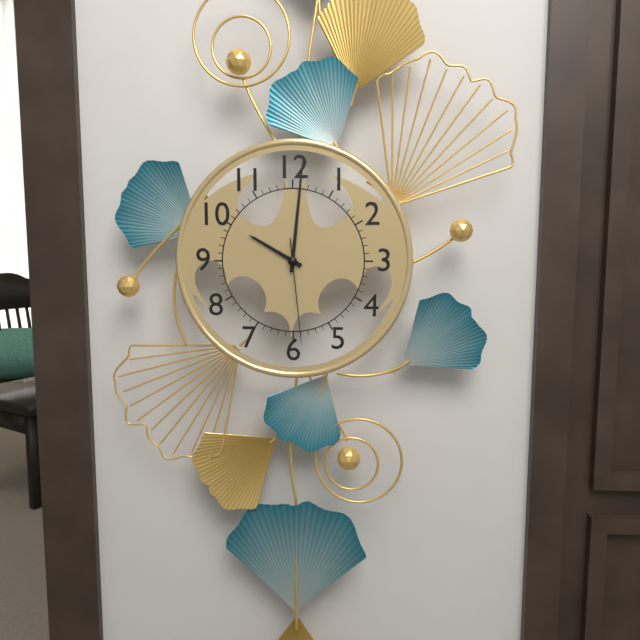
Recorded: **10:01:29**
